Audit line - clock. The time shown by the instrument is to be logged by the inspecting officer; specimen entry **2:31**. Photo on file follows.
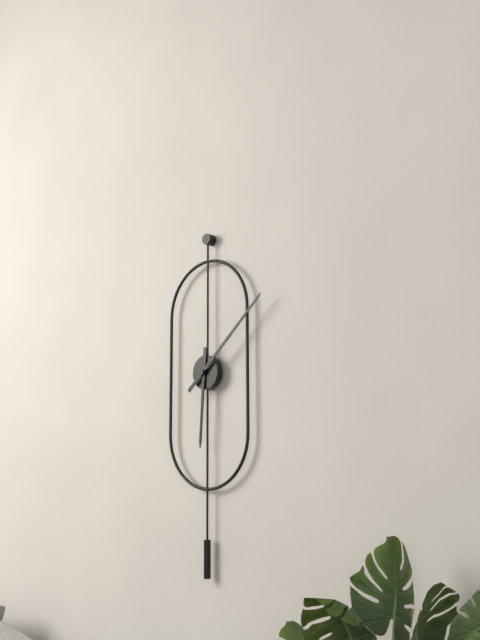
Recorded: **6:08**
